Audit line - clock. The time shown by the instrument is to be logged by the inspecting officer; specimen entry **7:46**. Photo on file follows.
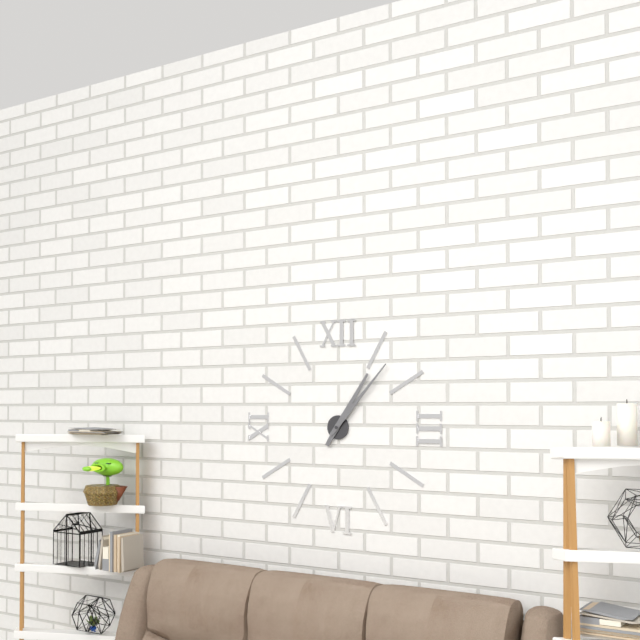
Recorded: **1:07**
